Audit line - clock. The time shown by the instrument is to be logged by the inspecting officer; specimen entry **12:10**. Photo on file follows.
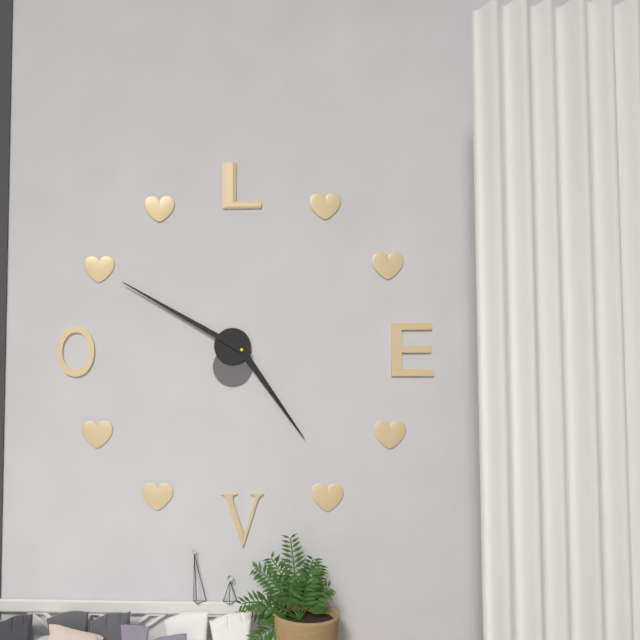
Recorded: **4:50**
